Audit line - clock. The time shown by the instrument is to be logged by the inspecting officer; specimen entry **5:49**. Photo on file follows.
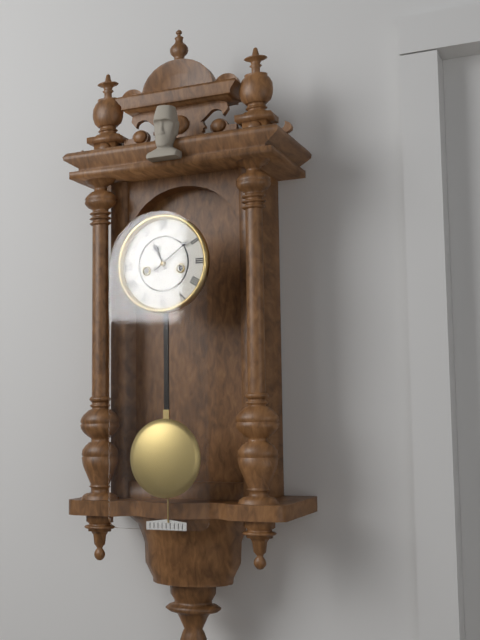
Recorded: **11:09**
